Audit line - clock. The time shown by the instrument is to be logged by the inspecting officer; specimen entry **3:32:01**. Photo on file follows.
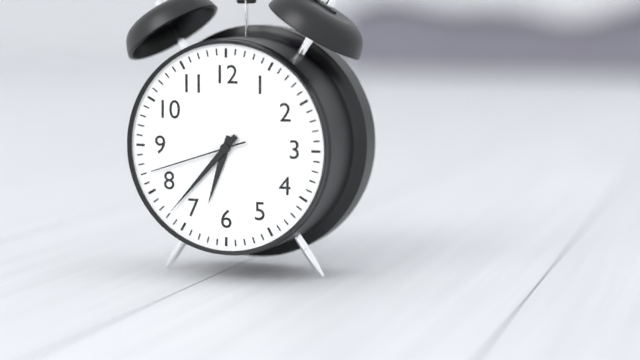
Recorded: **6:37:42**
